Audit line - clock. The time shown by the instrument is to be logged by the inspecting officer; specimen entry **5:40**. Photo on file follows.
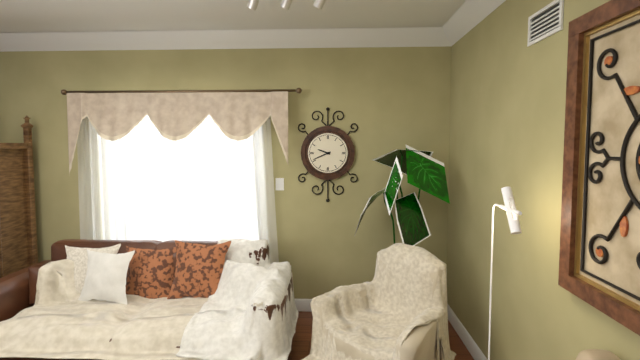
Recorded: **9:41**
